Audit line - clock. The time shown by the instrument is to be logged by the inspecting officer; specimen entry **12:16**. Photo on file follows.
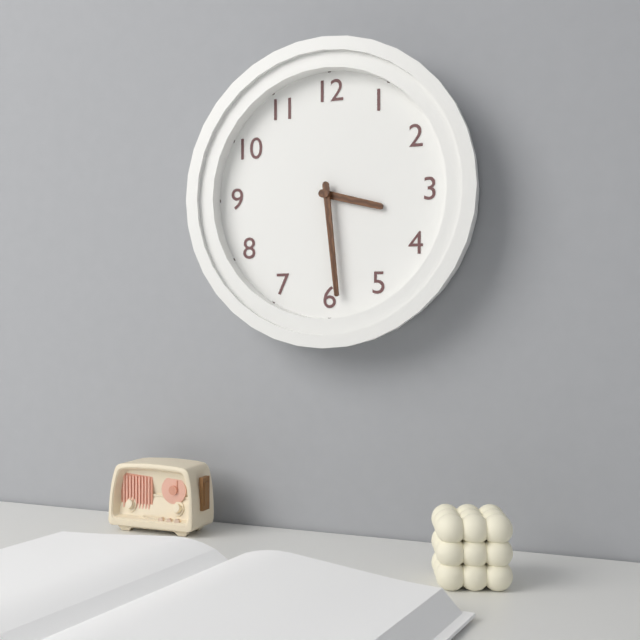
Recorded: **3:29**
